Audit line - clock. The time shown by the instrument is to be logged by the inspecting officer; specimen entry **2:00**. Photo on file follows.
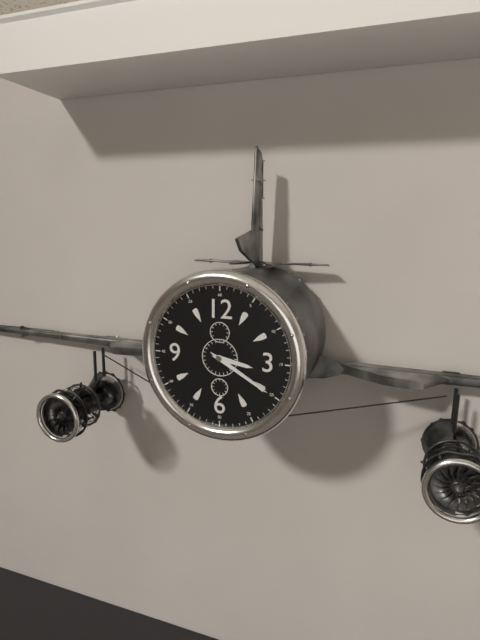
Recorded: **3:20**
